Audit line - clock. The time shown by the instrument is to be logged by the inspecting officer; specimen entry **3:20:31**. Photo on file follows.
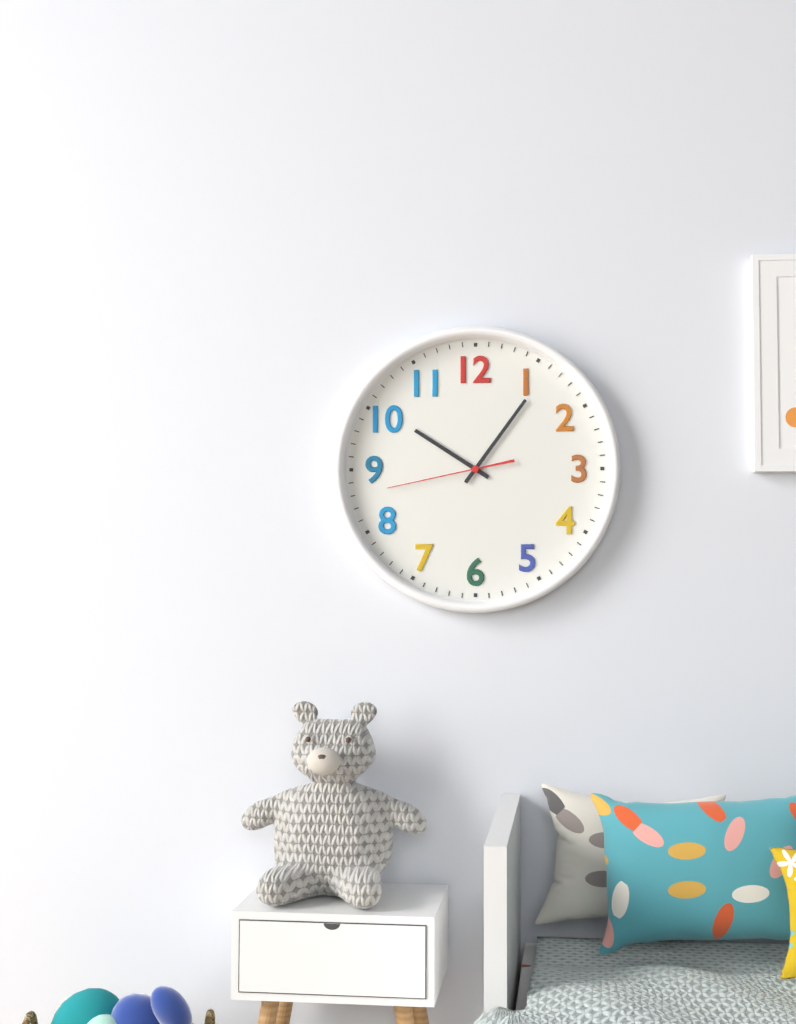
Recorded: **10:06:43**
